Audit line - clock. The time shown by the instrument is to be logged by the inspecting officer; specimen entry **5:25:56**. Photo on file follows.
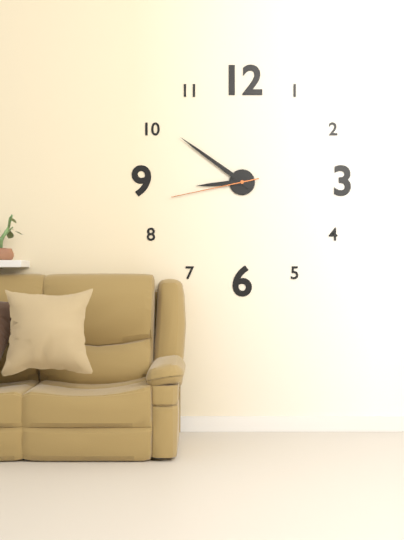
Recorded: **8:51:43**
